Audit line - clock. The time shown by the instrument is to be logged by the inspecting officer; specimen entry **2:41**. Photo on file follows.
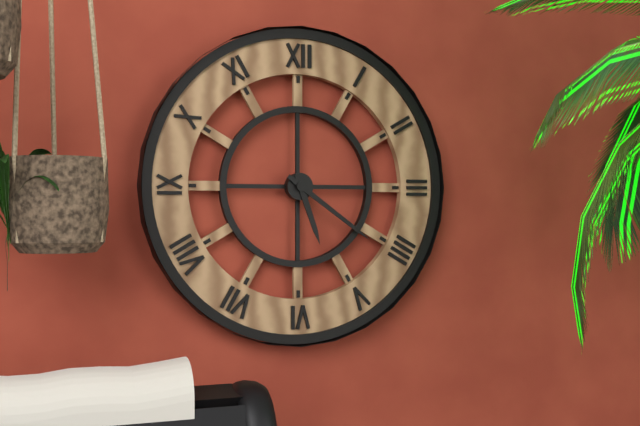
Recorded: **5:21**
